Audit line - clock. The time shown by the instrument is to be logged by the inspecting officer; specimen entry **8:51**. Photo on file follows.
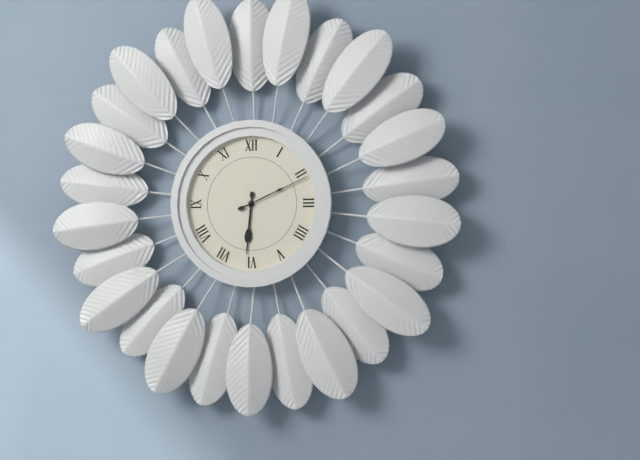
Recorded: **6:11**
